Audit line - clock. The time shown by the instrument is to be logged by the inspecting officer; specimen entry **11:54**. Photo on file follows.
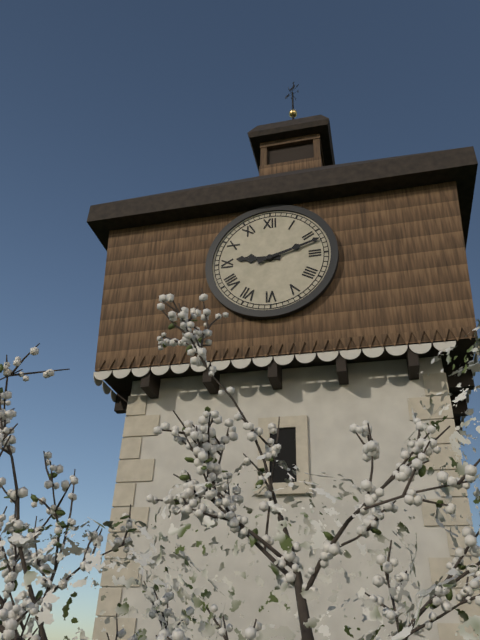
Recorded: **9:12**
